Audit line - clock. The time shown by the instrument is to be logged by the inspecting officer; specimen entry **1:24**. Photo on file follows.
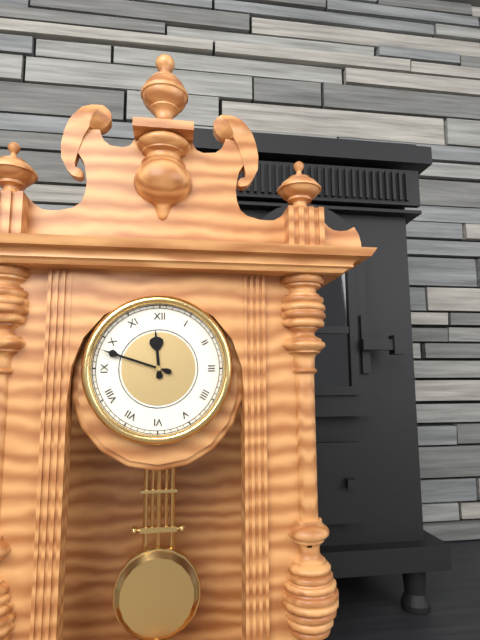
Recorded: **11:48**
